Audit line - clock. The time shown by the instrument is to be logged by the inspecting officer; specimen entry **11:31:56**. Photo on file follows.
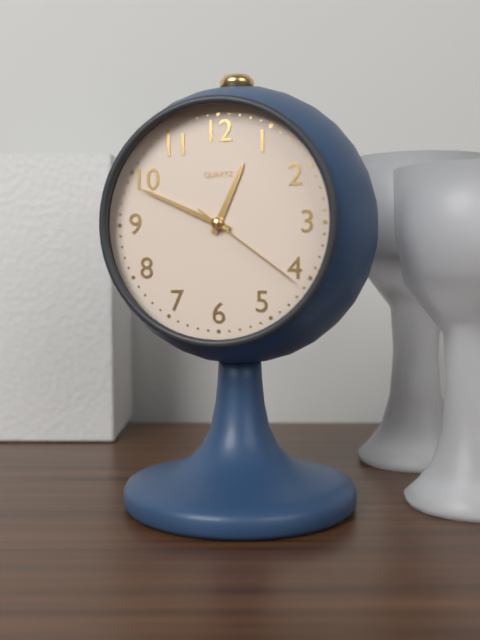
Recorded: **12:49:21**
